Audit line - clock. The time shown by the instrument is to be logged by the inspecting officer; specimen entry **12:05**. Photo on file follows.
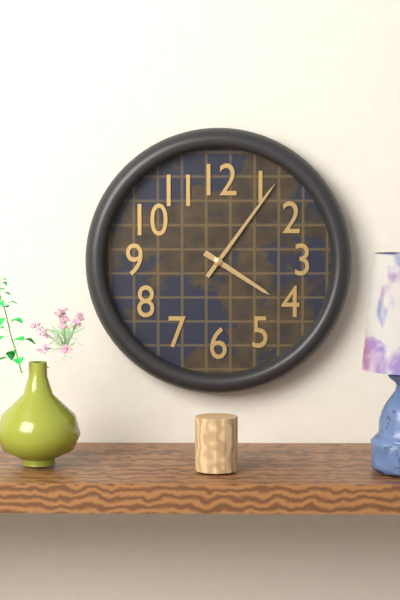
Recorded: **4:06**
